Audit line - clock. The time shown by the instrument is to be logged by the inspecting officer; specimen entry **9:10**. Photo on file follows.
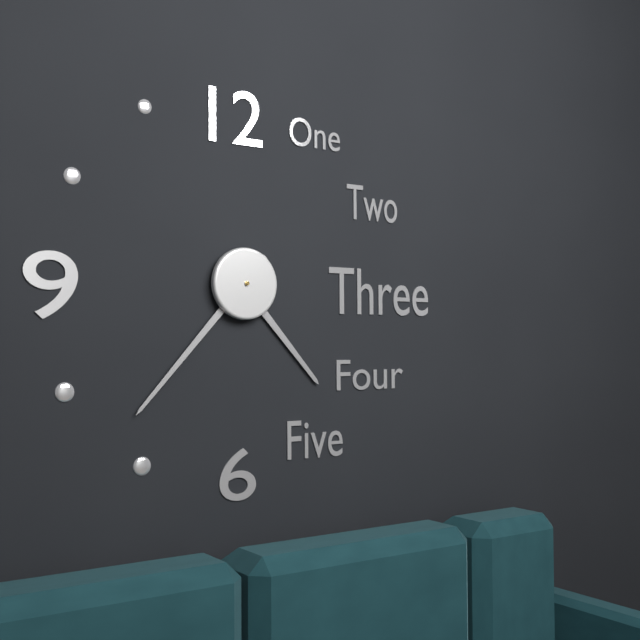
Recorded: **4:37**
